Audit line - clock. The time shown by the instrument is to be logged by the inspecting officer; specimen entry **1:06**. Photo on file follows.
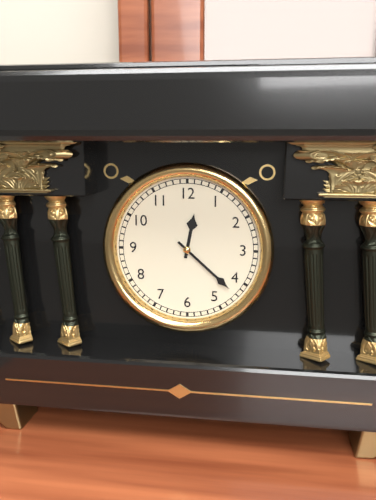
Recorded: **12:22**
